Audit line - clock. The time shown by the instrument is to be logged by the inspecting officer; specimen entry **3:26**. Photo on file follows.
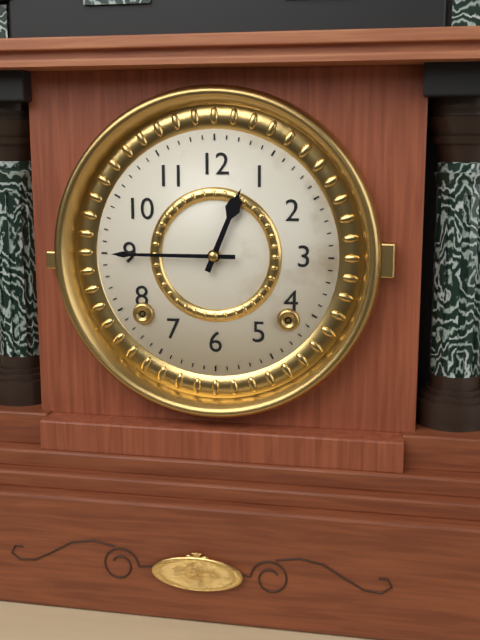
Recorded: **12:45**
